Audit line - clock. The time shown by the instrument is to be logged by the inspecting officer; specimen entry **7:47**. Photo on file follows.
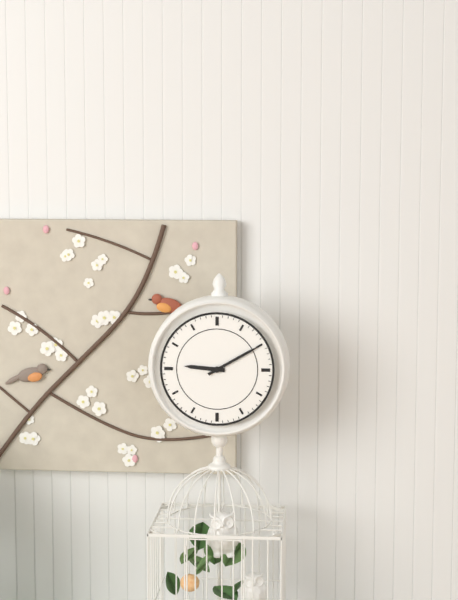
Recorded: **9:10**
